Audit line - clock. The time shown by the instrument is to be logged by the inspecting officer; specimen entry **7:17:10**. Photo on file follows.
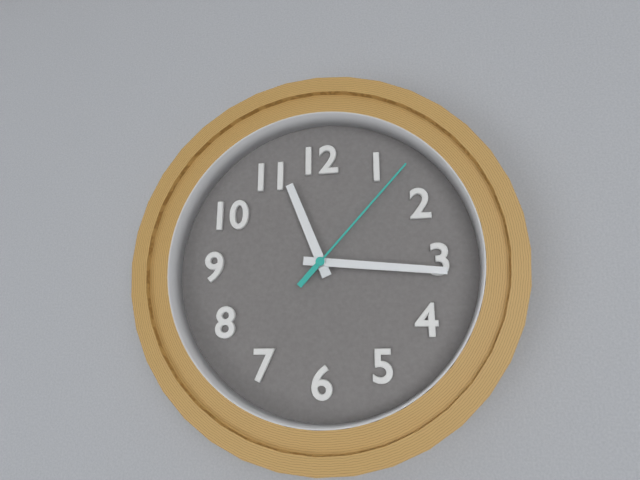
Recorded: **11:16:07**
